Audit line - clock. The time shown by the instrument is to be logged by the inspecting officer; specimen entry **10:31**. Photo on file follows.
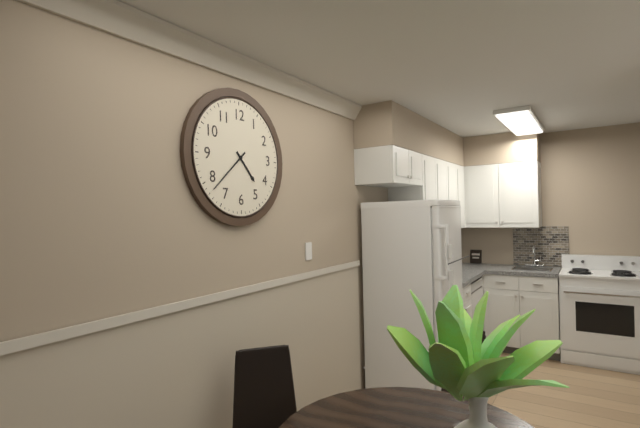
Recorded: **4:38**
